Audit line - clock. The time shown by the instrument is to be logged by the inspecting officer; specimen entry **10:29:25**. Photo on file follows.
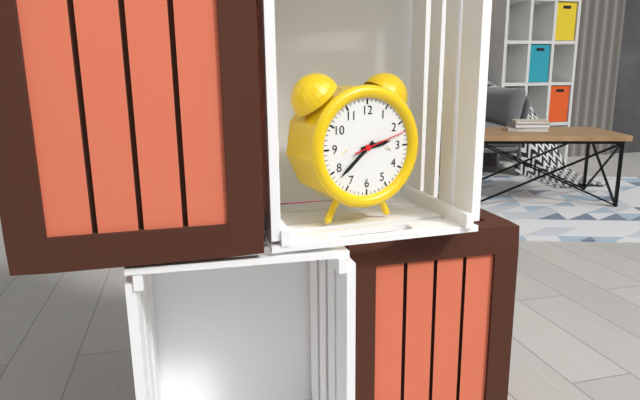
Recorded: **2:38:12**
